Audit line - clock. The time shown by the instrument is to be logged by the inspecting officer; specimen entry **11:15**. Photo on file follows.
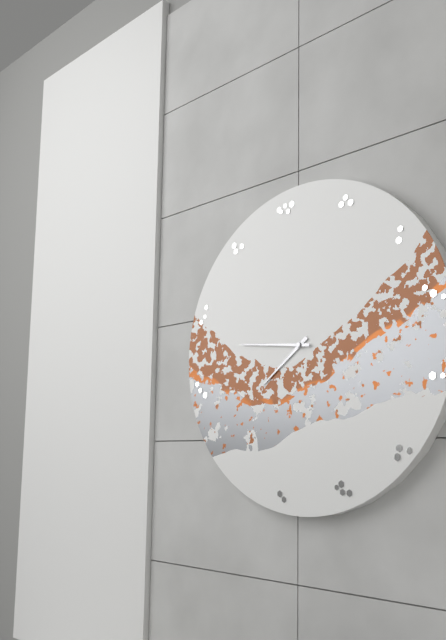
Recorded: **7:46**
